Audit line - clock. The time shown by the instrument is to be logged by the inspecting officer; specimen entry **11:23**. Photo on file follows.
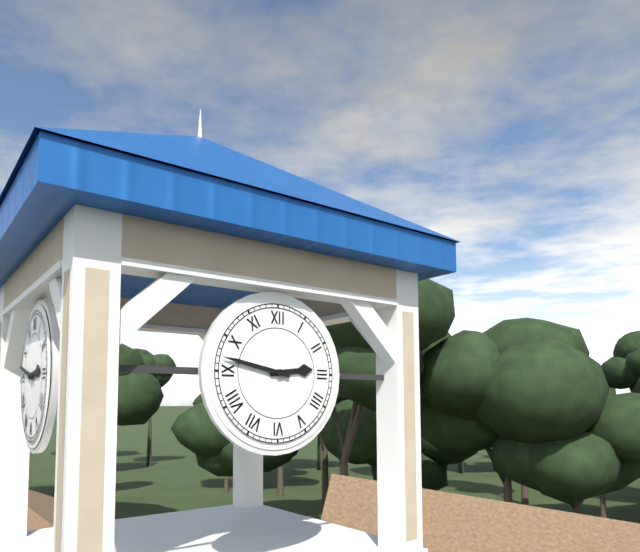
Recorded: **2:47**
